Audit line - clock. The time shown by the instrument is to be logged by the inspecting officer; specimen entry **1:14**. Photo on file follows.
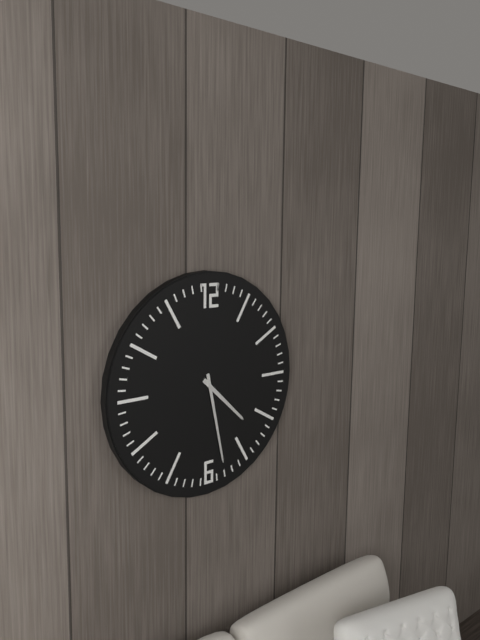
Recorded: **4:28**
